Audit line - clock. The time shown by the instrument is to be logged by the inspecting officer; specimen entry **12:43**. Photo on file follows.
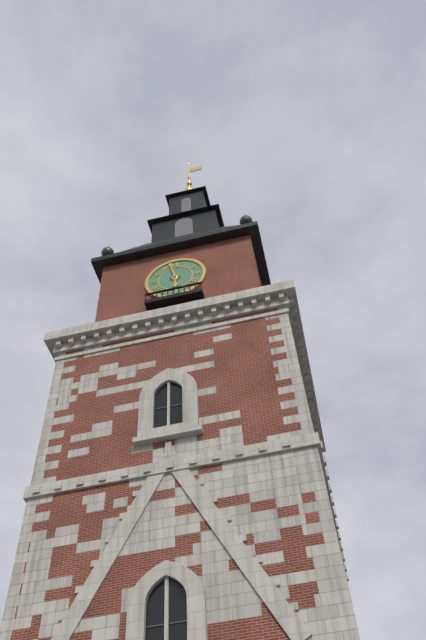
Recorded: **5:58**
